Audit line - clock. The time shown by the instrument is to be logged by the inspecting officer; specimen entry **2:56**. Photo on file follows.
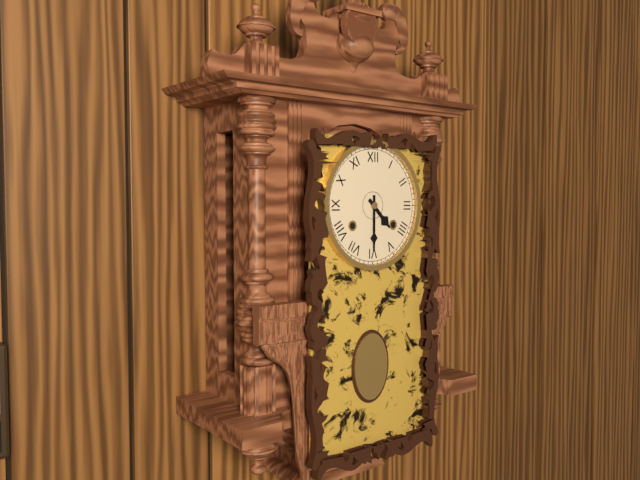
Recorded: **4:30**
